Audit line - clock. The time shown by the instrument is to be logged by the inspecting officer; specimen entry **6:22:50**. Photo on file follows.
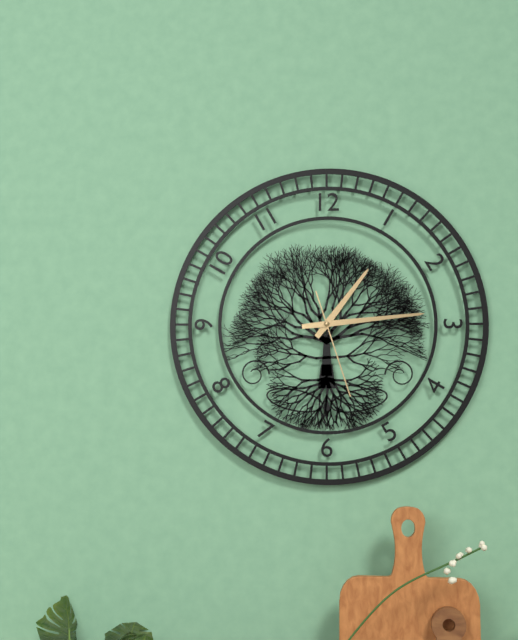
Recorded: **1:14:27**
